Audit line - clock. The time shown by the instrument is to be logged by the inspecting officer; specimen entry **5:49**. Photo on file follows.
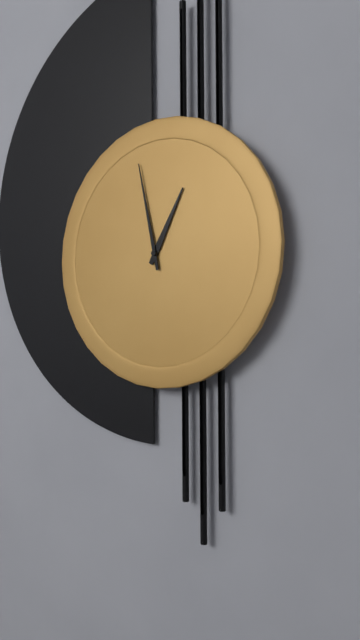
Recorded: **12:58**
